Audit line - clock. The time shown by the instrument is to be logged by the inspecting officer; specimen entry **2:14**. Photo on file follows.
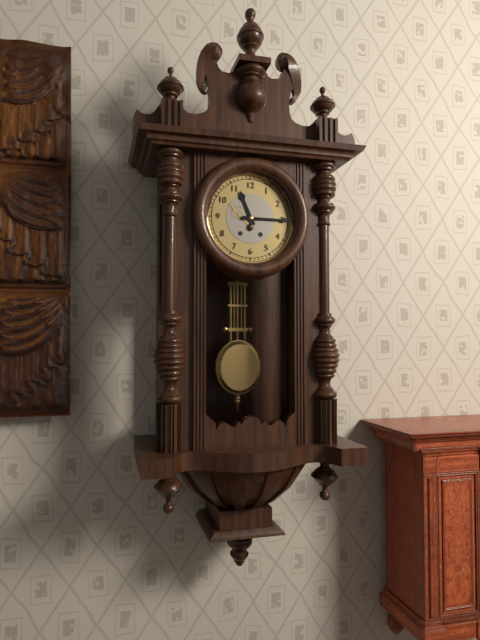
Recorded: **11:15**
